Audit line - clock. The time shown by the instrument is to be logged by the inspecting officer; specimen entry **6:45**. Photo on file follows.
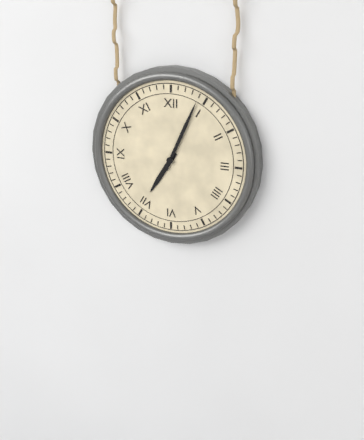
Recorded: **7:04**
